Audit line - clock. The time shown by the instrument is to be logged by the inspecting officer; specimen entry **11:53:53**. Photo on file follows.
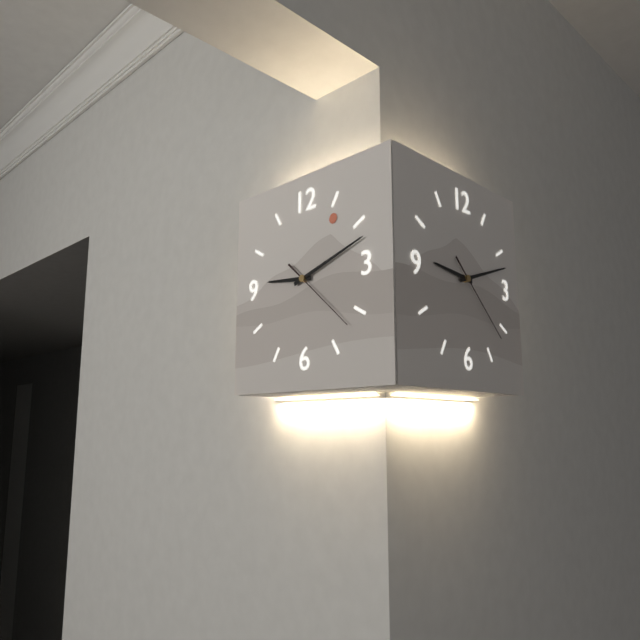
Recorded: **9:12:22**
